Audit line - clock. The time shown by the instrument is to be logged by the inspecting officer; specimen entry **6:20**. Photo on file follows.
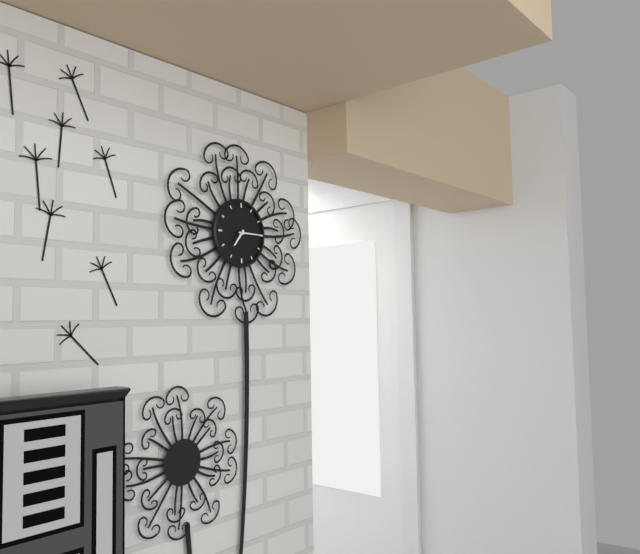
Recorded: **7:15**
